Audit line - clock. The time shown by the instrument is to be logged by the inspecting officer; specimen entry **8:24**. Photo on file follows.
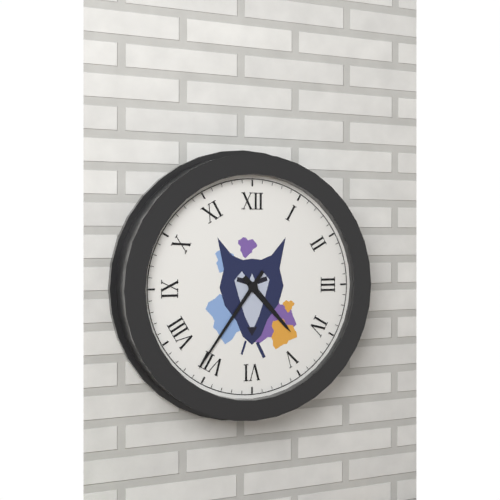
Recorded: **4:36**
